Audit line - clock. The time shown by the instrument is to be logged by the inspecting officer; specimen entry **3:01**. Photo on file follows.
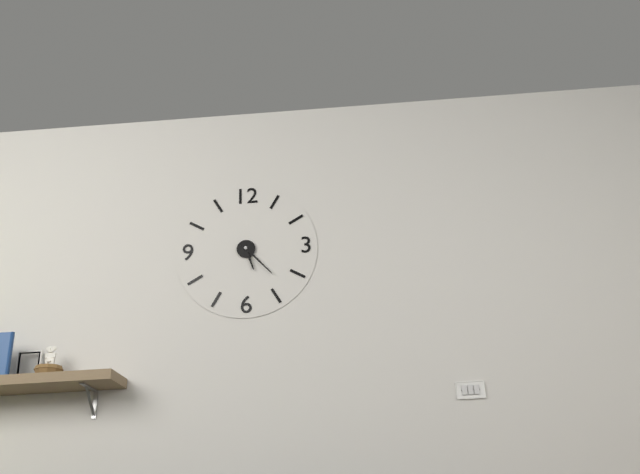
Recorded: **5:23**
